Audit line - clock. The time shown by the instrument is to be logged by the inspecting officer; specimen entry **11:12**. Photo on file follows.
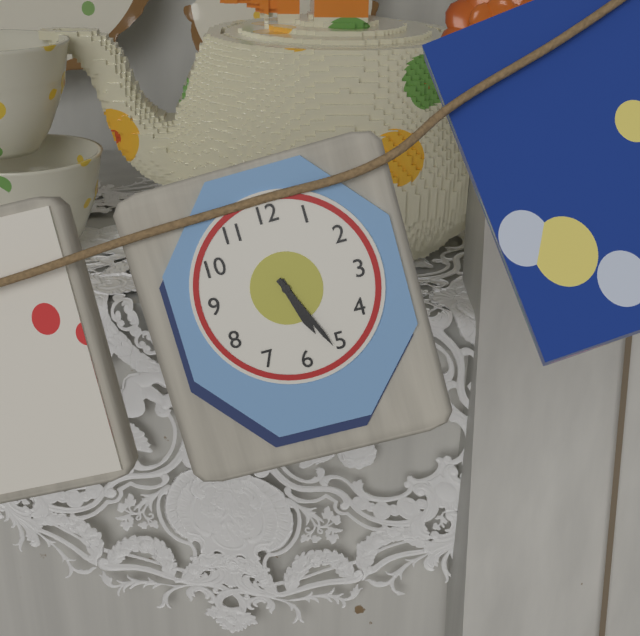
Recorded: **5:26**
